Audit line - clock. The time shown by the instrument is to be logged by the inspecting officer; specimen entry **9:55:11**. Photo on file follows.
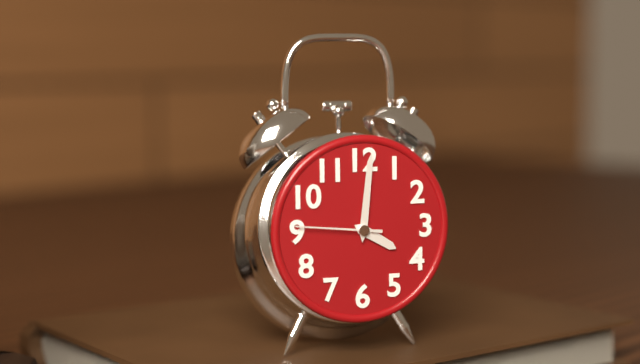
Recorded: **4:01:46**
